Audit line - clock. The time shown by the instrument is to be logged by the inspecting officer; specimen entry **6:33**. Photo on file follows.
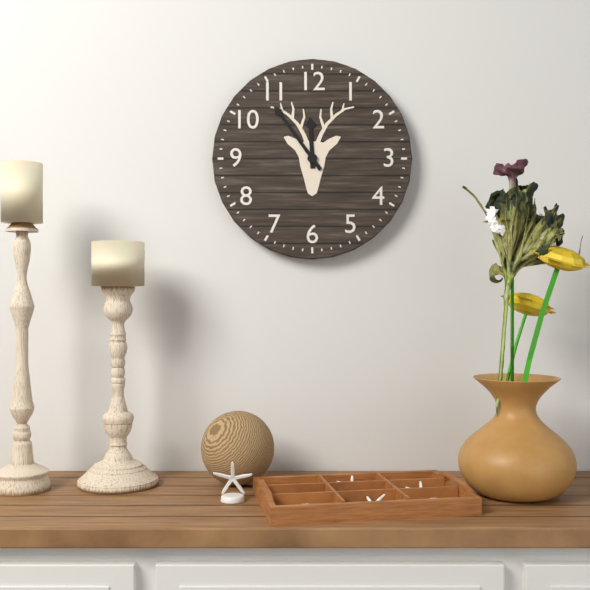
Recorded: **11:54**
